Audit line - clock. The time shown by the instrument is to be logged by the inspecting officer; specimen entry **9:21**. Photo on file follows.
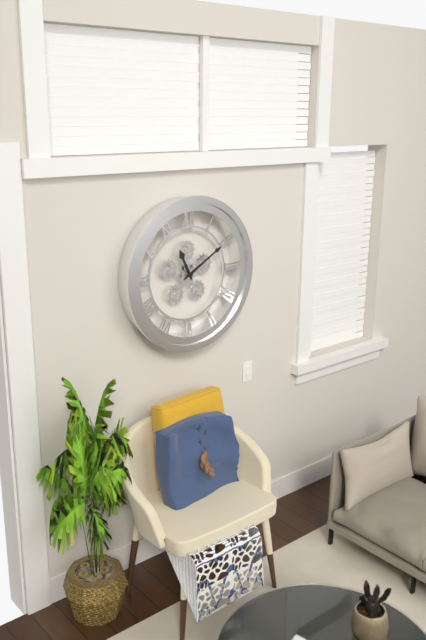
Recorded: **11:10**
